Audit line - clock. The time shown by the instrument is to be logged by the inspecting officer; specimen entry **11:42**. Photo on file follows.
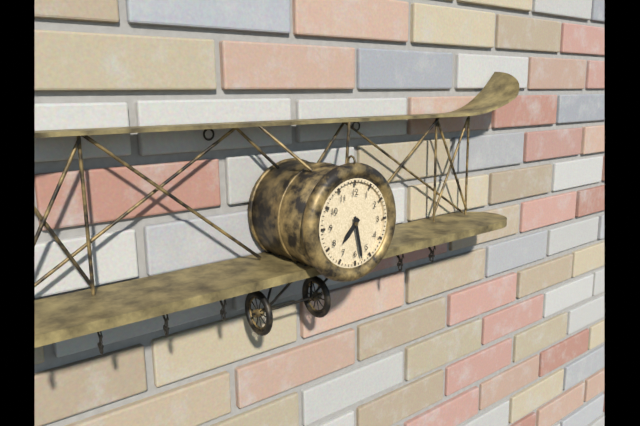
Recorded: **7:28**
